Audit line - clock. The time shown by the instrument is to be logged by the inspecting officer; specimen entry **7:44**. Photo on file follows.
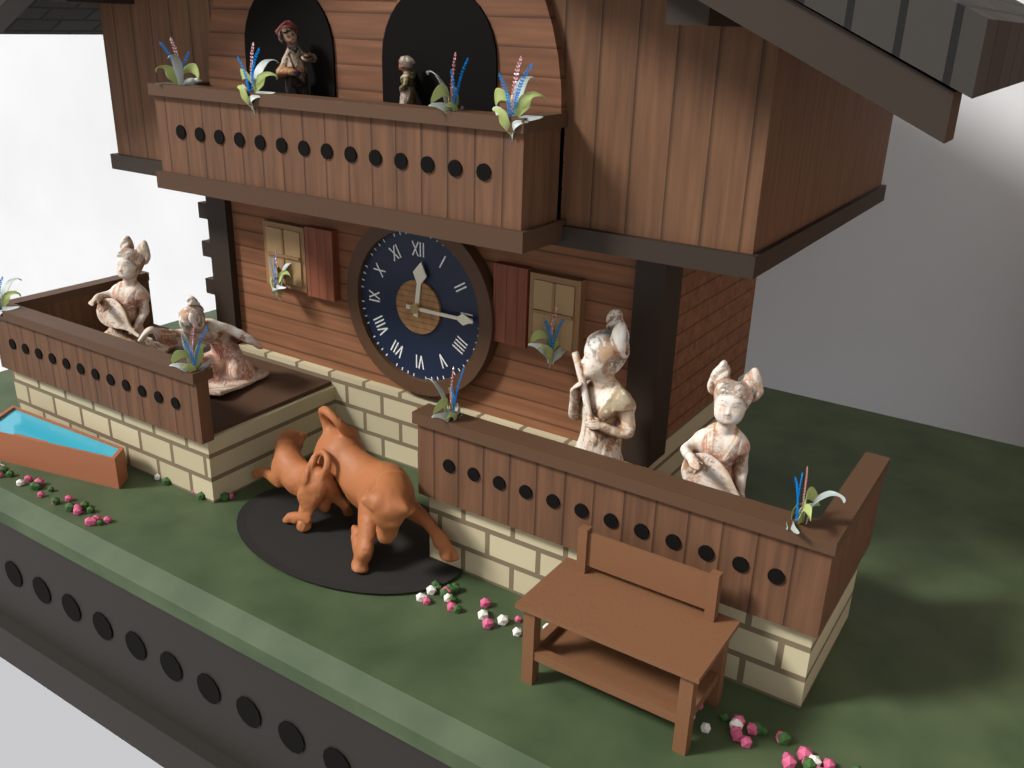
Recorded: **12:15**
